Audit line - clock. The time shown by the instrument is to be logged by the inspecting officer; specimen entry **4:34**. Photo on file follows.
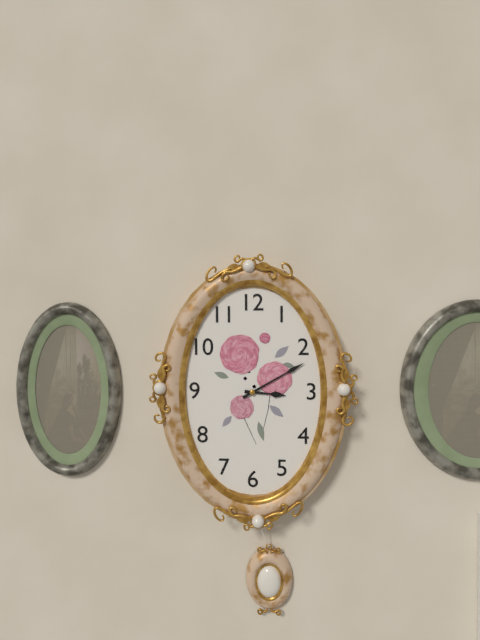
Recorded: **3:10**
